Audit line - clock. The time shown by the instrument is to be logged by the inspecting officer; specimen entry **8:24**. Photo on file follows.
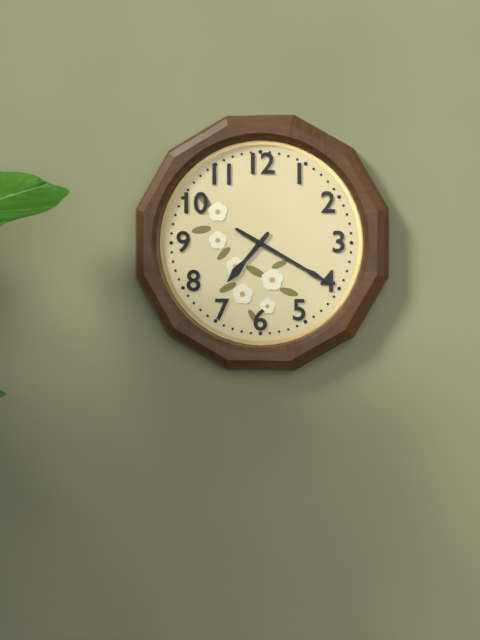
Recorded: **7:20**
